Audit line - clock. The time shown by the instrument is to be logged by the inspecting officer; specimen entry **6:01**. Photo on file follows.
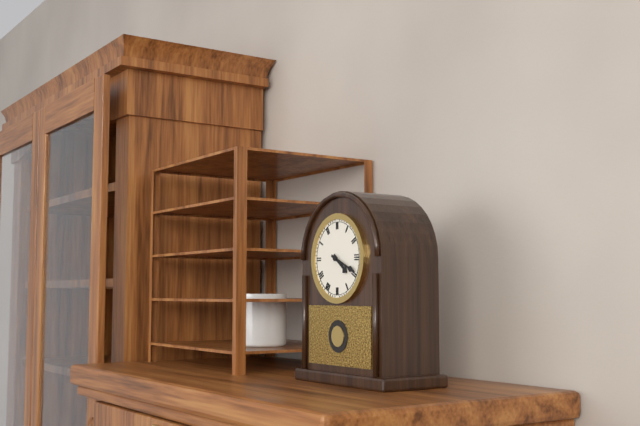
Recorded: **4:19**
